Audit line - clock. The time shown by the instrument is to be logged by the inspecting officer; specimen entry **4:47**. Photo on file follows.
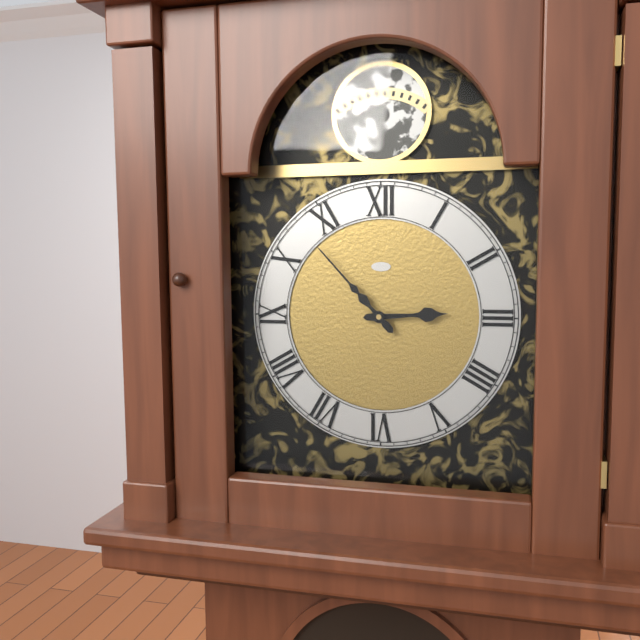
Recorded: **2:53**
